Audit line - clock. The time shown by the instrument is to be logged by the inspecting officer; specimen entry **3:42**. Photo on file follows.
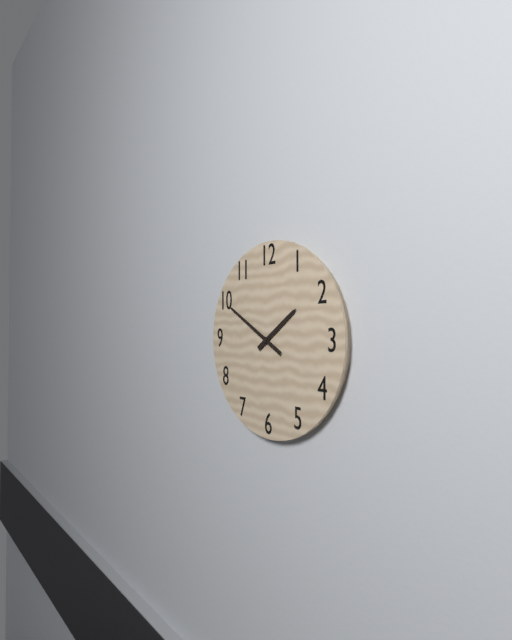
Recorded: **1:50**
